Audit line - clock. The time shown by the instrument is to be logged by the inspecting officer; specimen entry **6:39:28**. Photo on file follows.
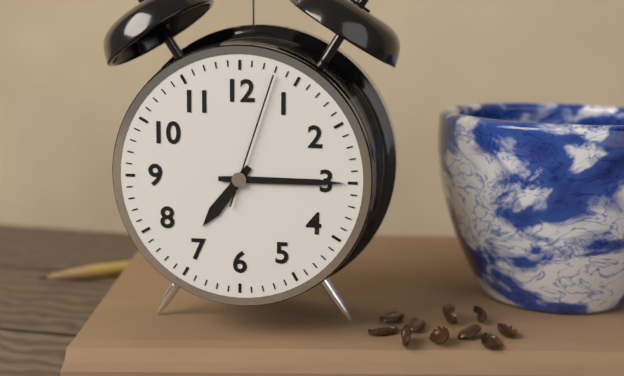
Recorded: **7:15:03**
